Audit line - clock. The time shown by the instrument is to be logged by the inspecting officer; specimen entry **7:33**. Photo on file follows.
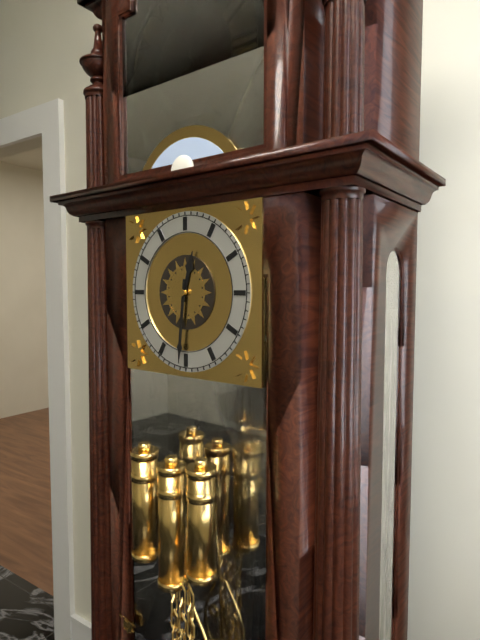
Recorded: **12:31**
